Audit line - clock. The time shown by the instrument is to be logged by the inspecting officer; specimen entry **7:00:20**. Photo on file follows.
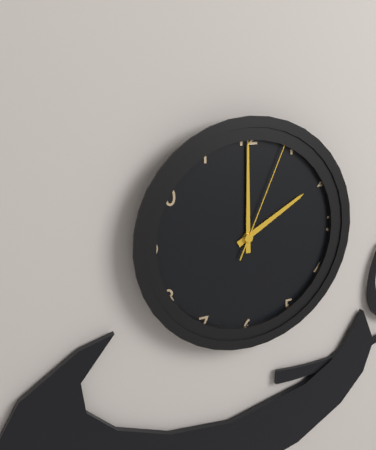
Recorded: **2:00:04**
